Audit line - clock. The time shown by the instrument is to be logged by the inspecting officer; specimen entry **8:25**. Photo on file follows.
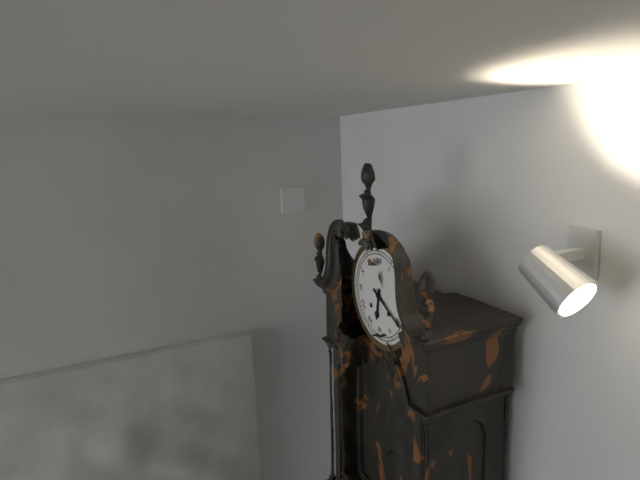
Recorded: **6:20**
